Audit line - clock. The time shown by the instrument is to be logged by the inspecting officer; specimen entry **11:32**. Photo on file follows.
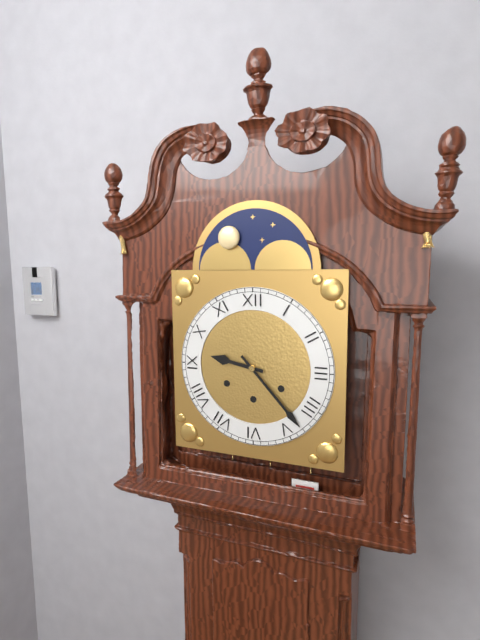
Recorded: **9:23**
